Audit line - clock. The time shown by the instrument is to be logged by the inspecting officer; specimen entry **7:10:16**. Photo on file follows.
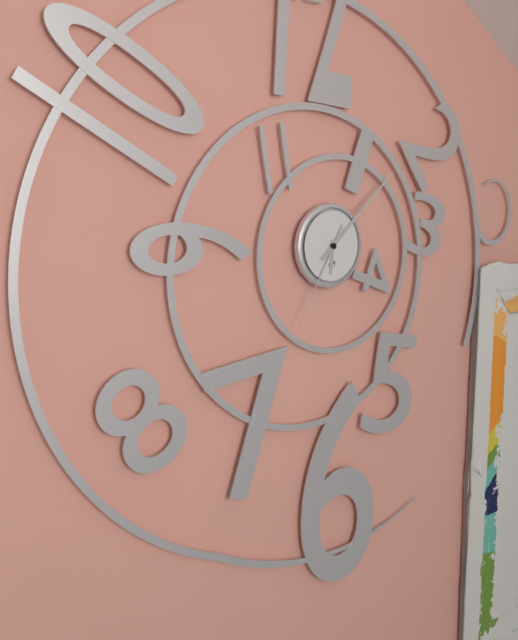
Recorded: **6:08:35**
